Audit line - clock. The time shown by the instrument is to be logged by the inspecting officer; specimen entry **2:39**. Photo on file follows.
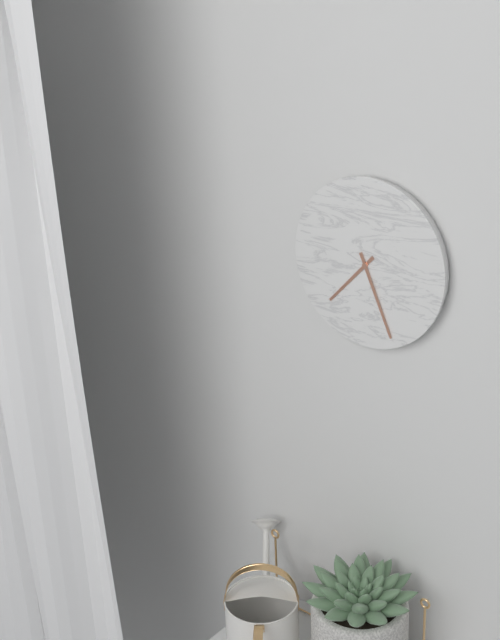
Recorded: **7:26**
